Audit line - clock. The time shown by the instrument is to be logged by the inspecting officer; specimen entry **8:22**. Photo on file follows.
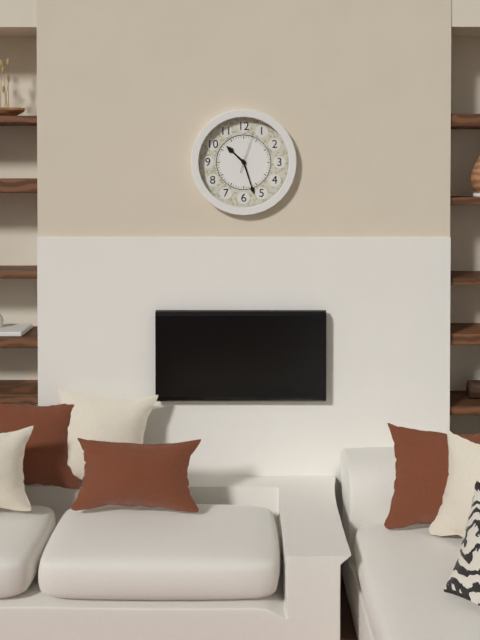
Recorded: **10:27**
